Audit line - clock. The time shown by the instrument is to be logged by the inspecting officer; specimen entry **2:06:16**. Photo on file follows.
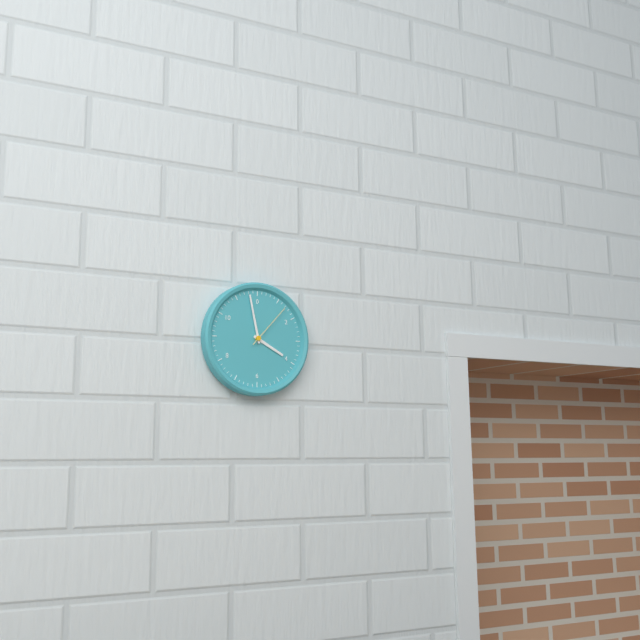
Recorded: **3:58:07**
